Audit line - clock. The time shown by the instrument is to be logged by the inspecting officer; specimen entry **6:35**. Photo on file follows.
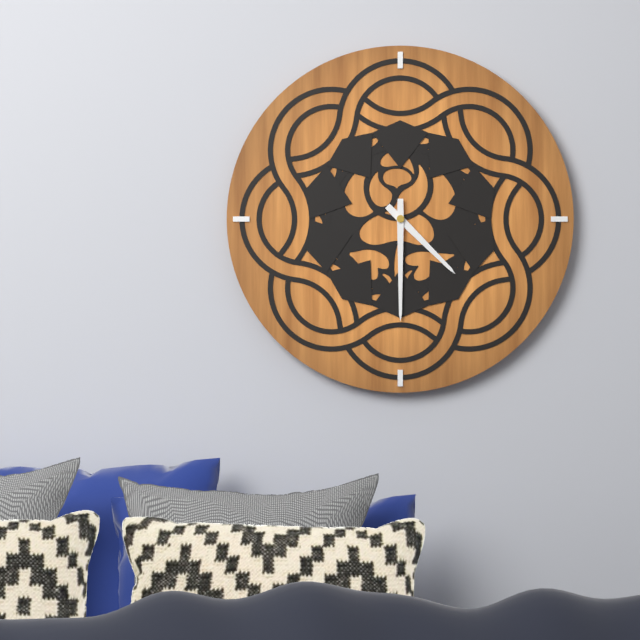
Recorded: **4:30**
